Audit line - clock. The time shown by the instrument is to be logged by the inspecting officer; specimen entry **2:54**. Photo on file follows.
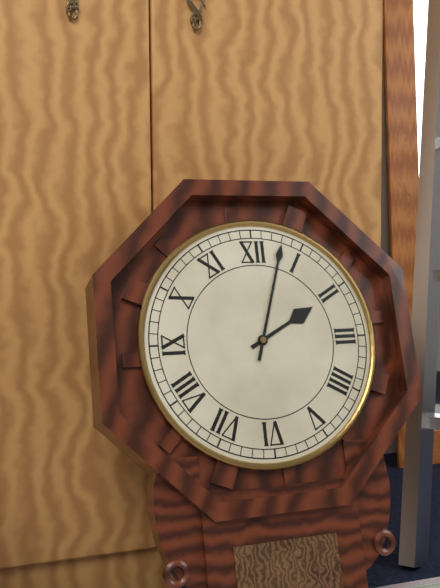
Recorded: **2:03**
